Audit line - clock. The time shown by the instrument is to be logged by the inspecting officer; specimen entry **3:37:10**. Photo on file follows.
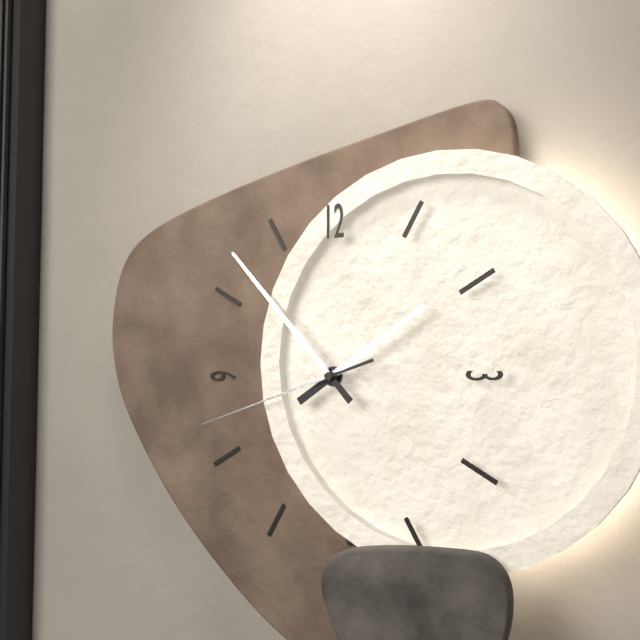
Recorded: **1:53:42**
